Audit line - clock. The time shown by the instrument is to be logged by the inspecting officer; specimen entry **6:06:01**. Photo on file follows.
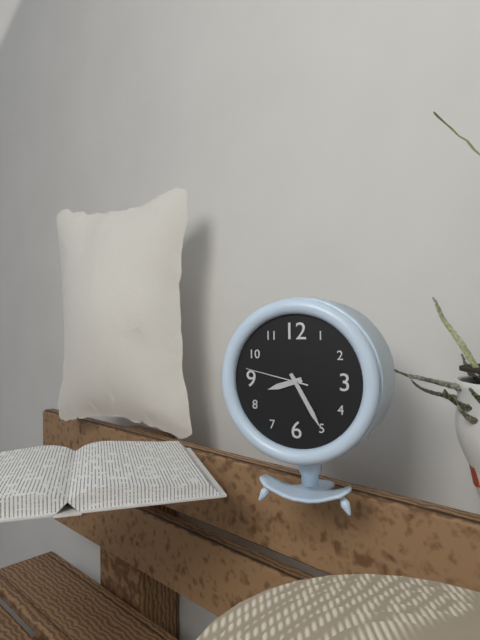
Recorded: **8:25:47**
